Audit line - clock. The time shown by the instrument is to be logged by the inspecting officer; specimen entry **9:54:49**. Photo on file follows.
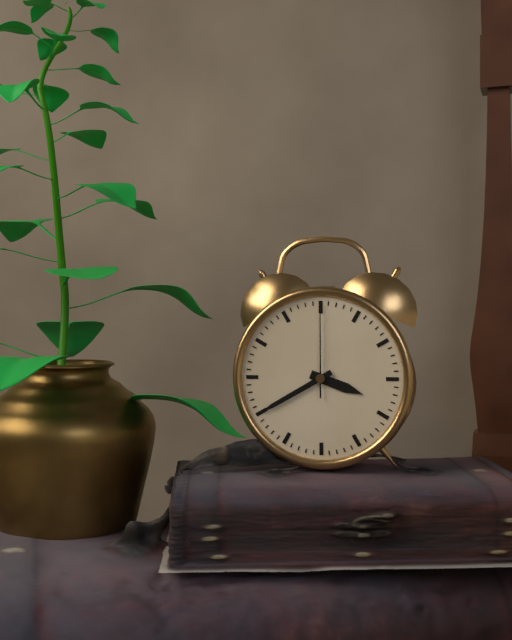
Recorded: **3:40:00**
